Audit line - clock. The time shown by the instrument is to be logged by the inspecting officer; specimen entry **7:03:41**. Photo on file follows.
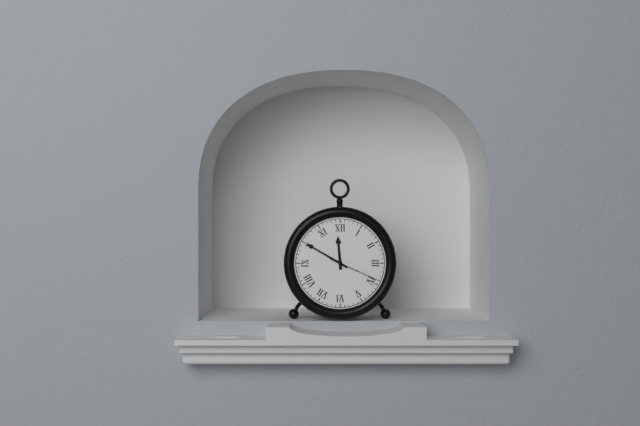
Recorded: **11:50:19**
